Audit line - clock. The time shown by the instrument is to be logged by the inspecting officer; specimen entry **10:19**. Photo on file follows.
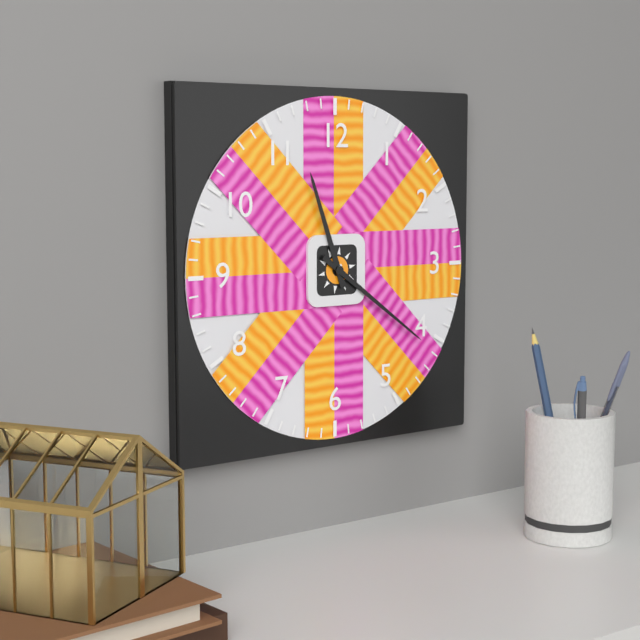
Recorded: **11:21**
